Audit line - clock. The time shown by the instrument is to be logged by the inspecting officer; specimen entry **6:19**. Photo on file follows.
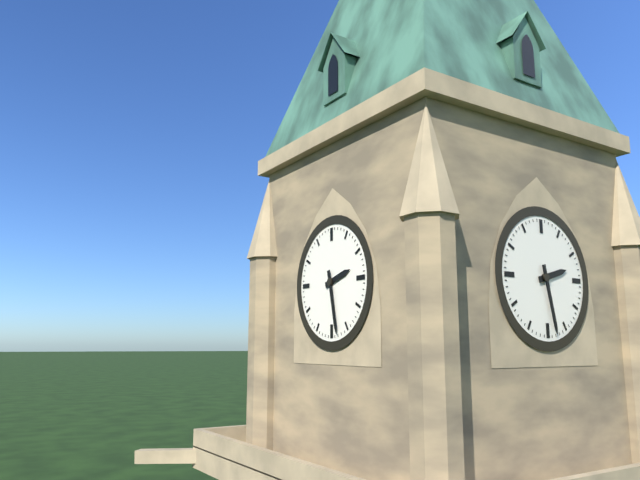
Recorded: **2:28**
